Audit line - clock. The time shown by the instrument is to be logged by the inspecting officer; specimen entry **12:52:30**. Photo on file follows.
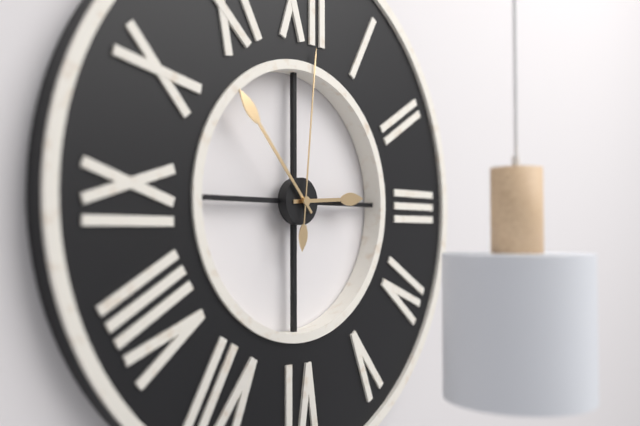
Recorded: **2:53:01**
